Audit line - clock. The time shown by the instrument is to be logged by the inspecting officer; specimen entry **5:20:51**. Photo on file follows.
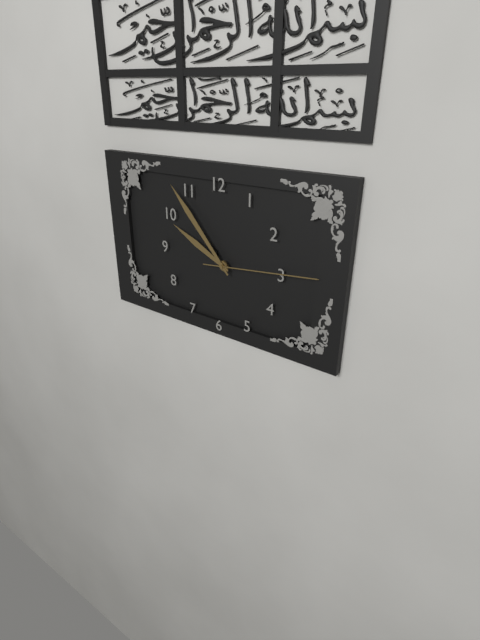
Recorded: **9:53:14**
